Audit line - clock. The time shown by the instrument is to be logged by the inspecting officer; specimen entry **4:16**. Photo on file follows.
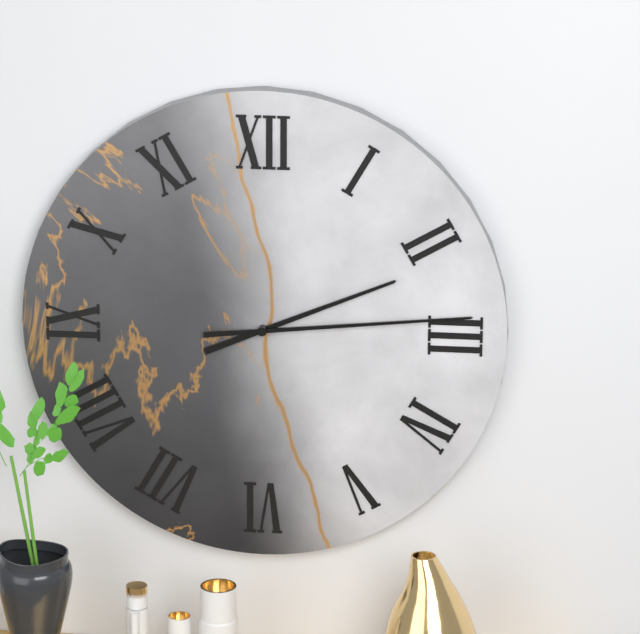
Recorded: **2:14**
